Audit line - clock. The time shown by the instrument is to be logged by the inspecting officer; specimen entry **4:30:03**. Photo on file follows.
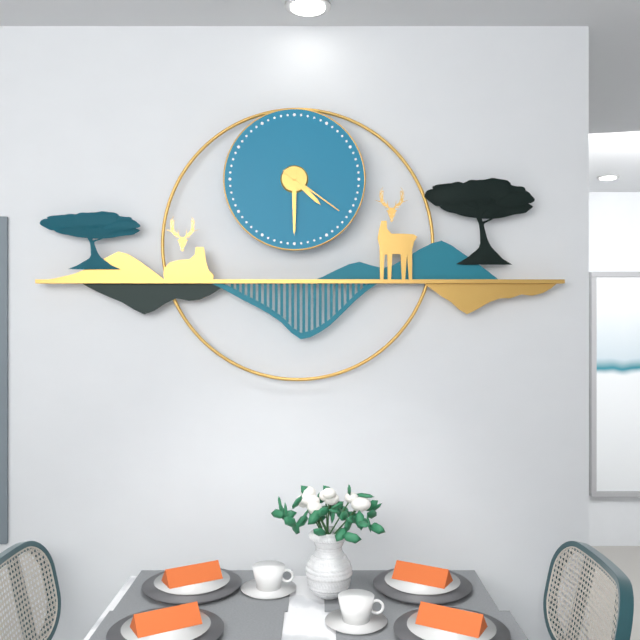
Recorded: **4:30:21**
